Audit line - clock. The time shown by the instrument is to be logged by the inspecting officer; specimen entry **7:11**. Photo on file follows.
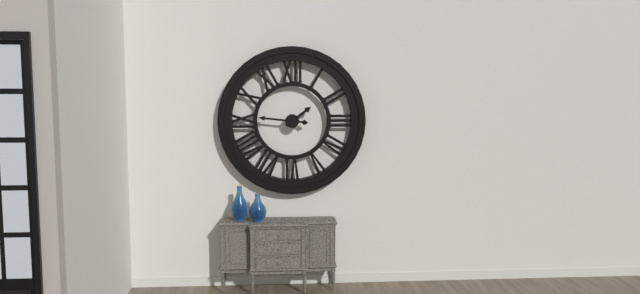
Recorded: **1:46**
